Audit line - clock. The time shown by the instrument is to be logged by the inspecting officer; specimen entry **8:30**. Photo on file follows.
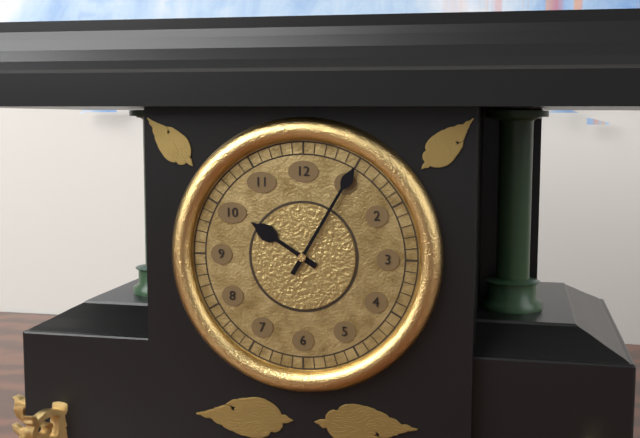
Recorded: **10:05**
